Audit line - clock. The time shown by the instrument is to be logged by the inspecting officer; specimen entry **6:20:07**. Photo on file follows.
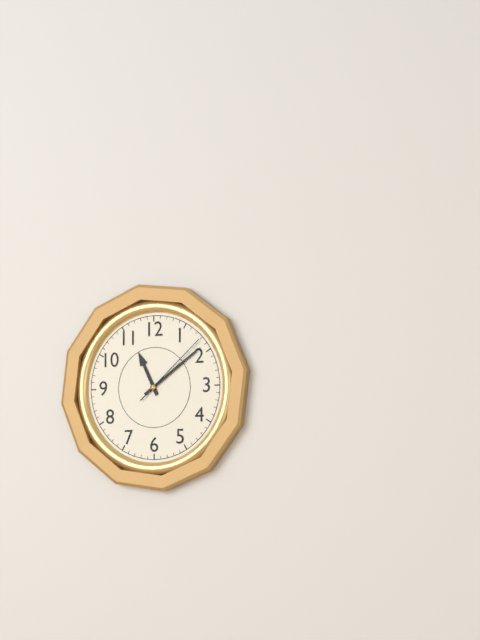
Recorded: **11:09:08**
